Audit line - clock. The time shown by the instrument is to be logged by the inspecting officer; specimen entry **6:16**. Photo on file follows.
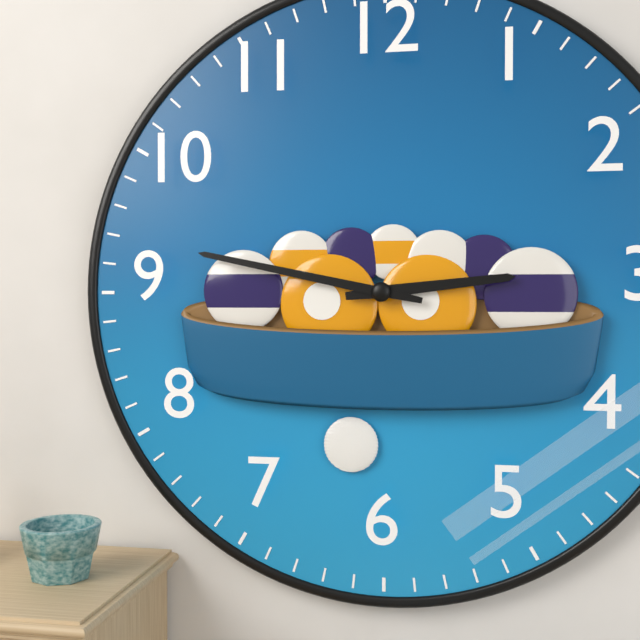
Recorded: **2:47**
